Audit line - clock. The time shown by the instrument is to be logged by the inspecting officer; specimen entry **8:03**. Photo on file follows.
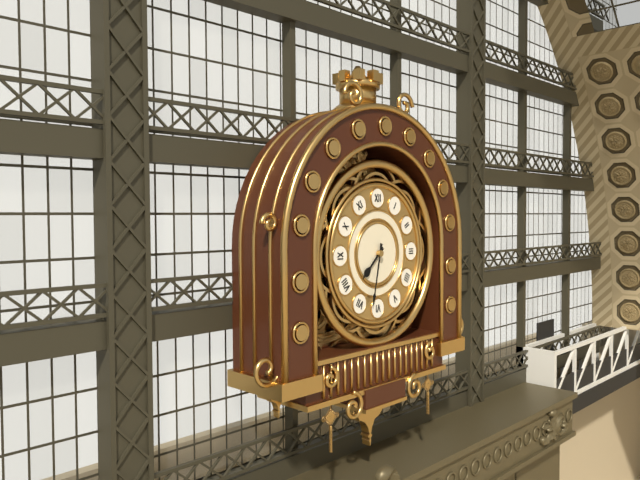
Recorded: **7:32**
